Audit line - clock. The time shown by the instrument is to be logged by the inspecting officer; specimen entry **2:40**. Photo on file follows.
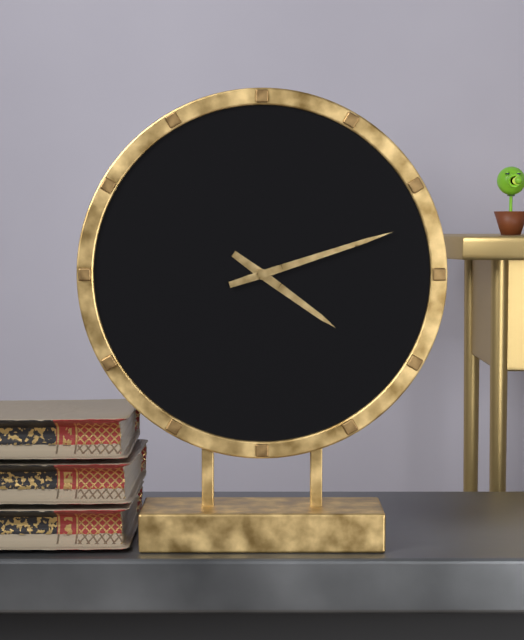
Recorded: **4:12**
